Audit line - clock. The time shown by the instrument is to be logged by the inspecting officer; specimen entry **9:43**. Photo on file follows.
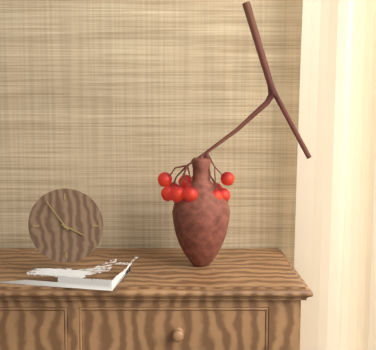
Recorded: **3:54**
